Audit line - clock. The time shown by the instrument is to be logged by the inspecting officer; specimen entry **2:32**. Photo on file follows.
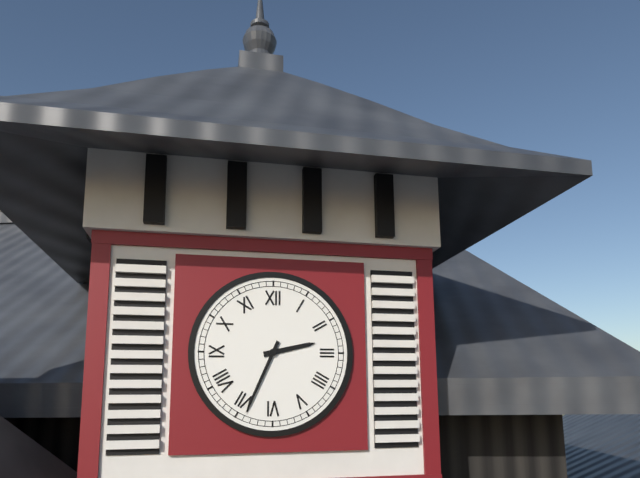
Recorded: **2:34**
